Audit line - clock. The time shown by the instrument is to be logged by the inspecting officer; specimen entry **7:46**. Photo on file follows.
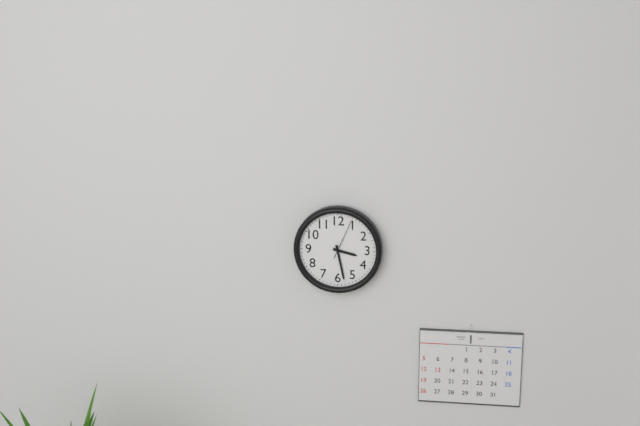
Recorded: **3:28**
